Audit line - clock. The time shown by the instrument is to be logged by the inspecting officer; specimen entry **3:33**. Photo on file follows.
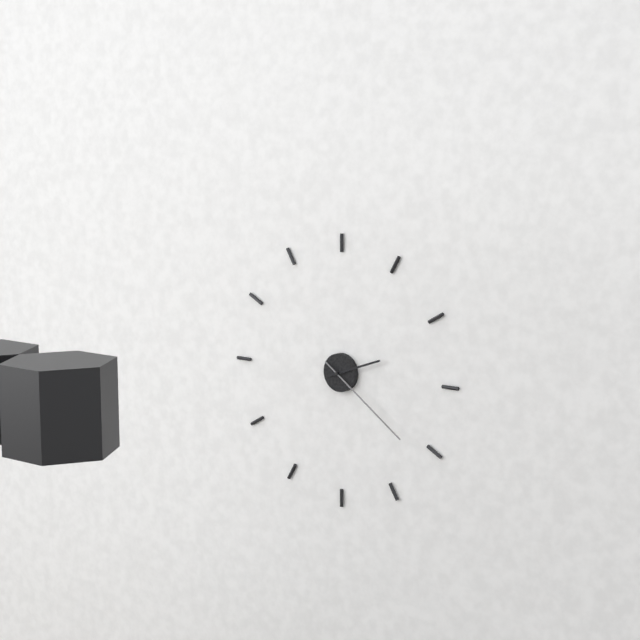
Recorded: **2:21**
